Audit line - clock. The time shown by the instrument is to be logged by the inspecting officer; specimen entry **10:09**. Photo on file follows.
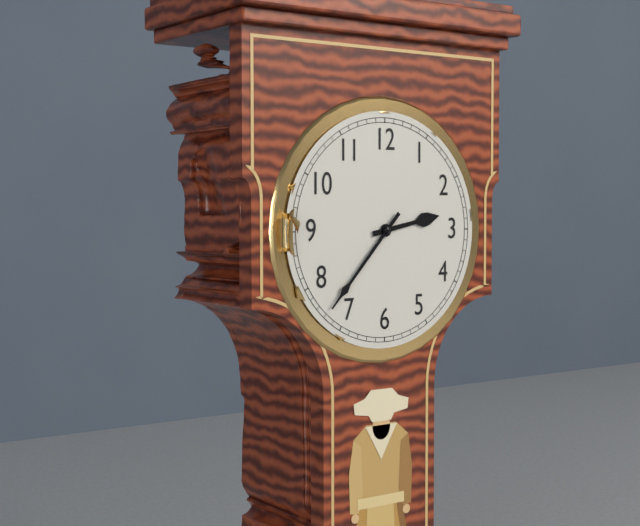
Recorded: **2:37**
